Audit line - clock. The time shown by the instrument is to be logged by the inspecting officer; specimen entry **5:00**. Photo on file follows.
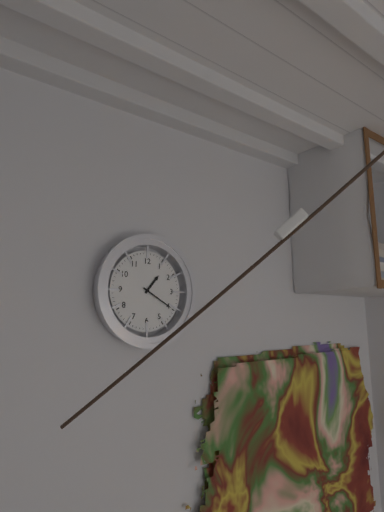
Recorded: **1:20**
